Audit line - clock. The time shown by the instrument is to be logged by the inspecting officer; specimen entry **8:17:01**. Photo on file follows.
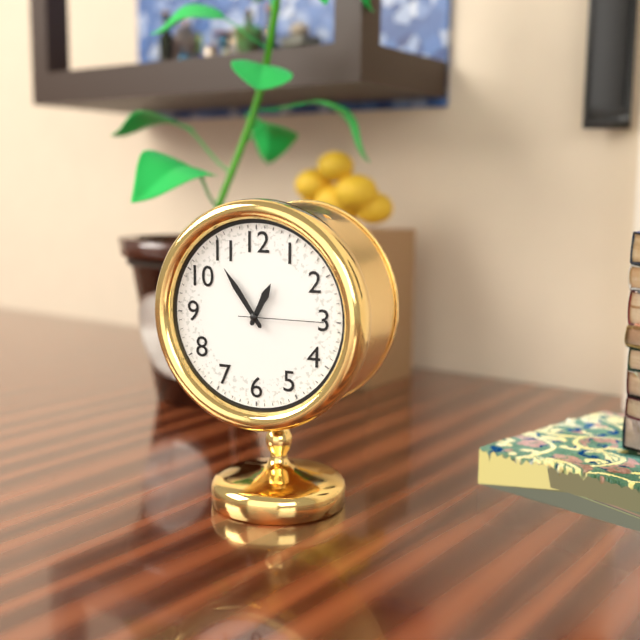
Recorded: **12:54:15**
